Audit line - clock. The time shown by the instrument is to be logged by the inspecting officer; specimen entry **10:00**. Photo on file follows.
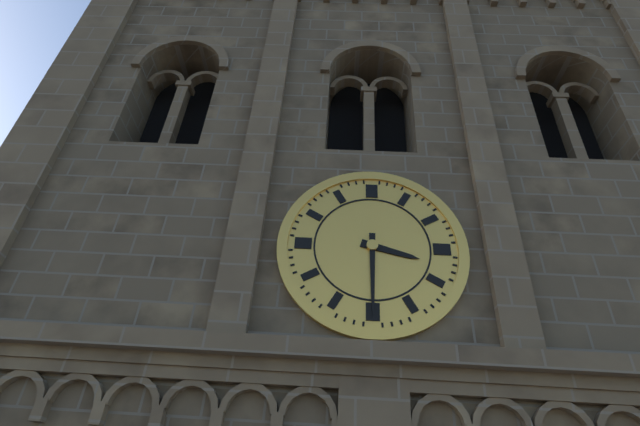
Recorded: **3:30**
